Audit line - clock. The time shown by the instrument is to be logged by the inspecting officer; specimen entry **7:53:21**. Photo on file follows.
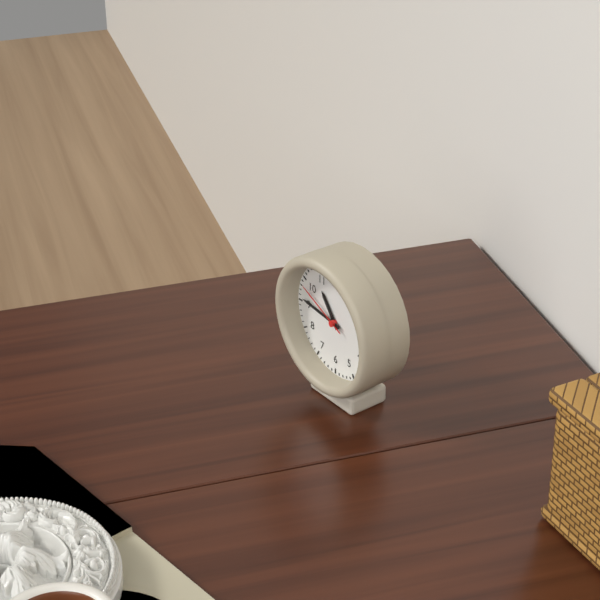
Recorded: **10:46:49**
